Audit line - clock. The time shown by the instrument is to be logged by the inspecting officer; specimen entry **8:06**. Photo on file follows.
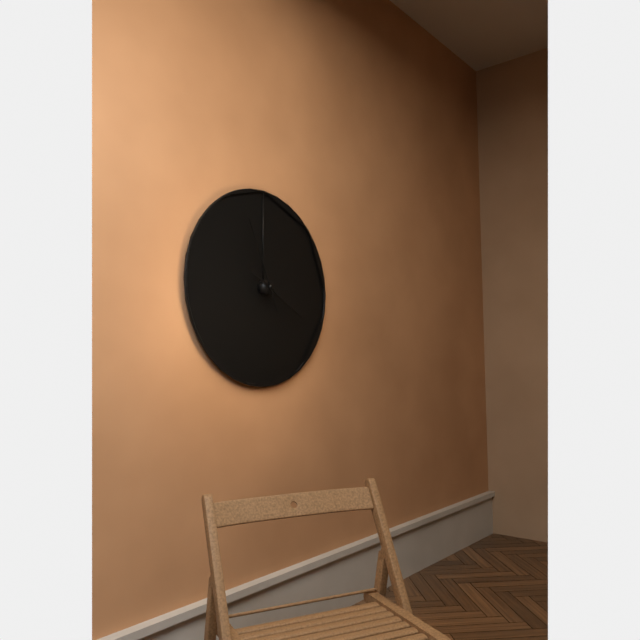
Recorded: **3:56**
